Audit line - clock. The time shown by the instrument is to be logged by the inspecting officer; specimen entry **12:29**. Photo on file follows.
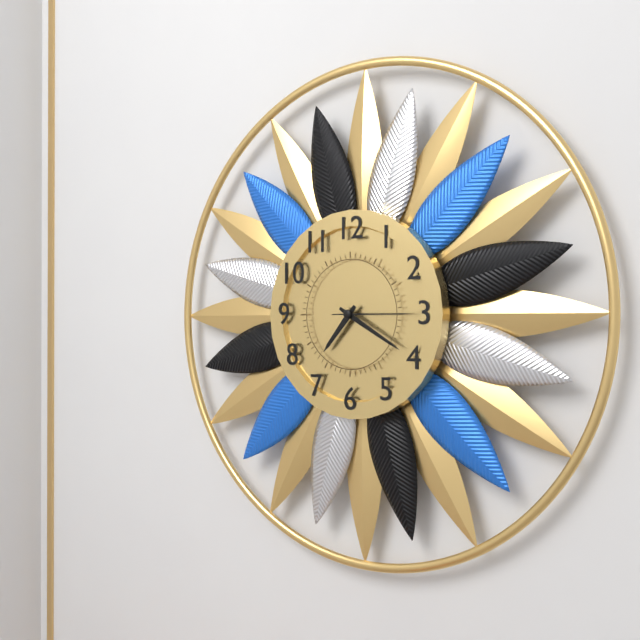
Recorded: **7:20**
